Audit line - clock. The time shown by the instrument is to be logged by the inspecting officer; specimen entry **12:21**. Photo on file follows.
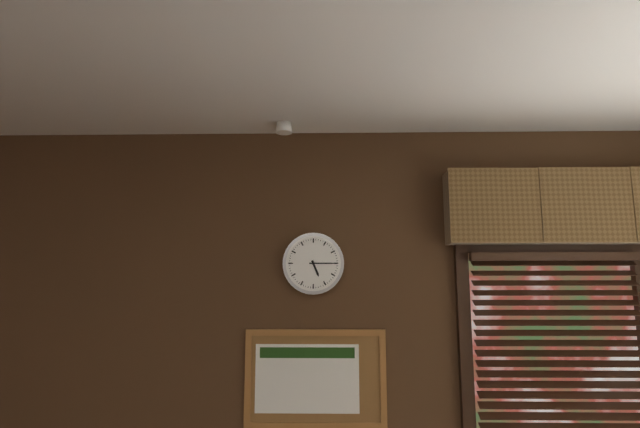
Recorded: **5:15**
